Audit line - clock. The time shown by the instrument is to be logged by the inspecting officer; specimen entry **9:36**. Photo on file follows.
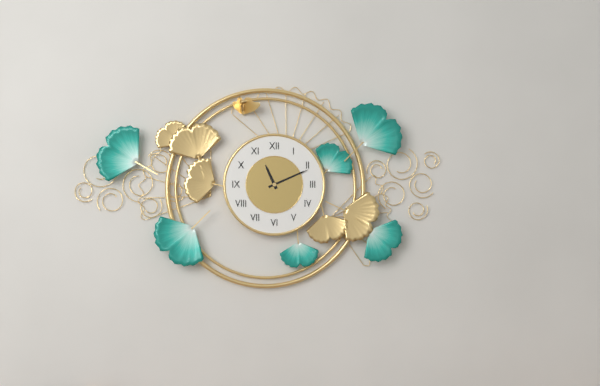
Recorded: **11:11**
